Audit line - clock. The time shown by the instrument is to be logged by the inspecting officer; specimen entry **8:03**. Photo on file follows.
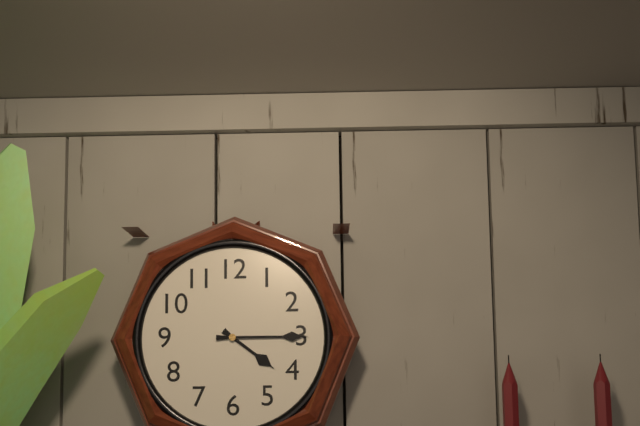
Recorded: **4:15**
